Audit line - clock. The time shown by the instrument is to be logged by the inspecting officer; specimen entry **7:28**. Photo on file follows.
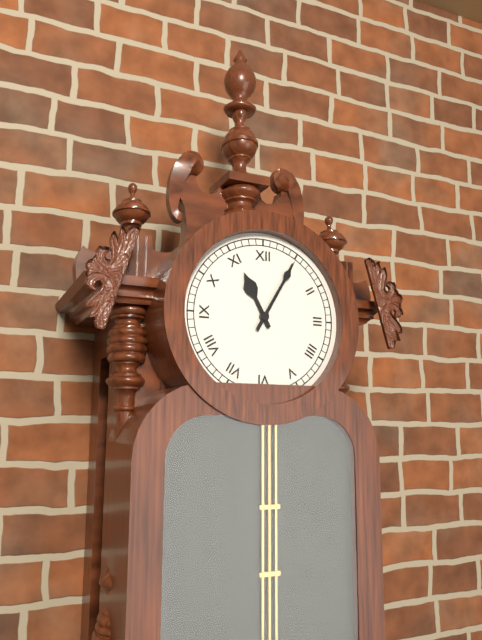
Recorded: **11:05**
